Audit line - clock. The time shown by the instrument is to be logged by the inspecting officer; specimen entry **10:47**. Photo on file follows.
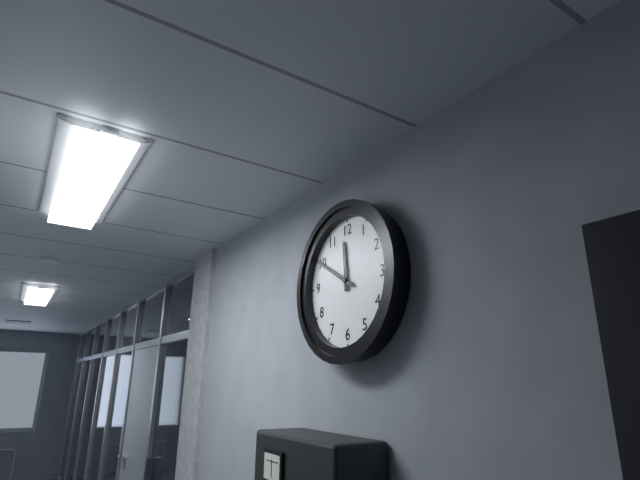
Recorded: **11:50**
